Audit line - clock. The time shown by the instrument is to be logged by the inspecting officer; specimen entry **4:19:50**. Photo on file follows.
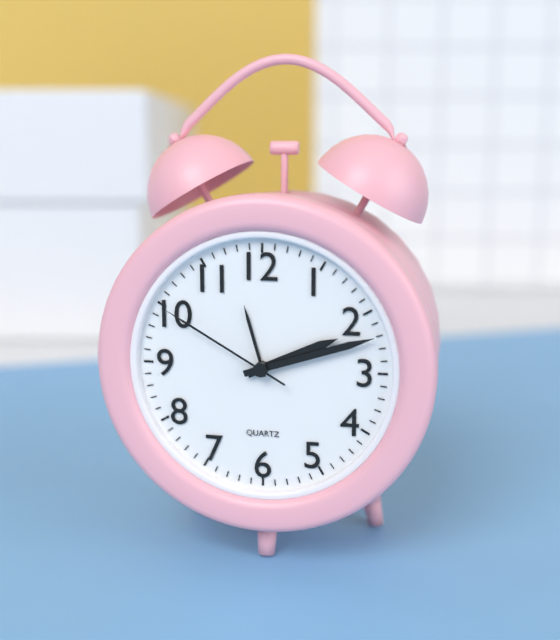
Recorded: **2:12:50**
